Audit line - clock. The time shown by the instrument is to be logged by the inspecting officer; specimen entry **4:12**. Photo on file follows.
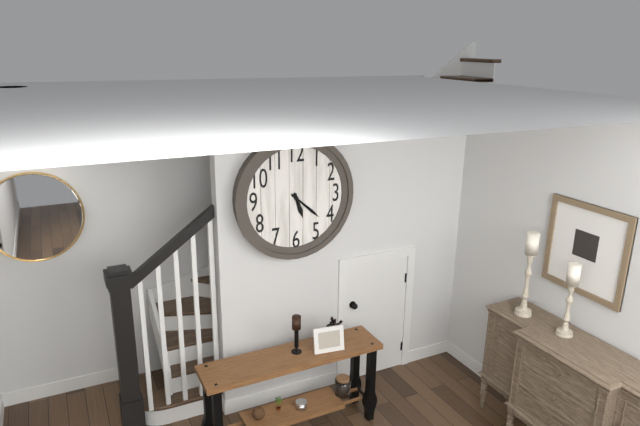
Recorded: **5:22**
